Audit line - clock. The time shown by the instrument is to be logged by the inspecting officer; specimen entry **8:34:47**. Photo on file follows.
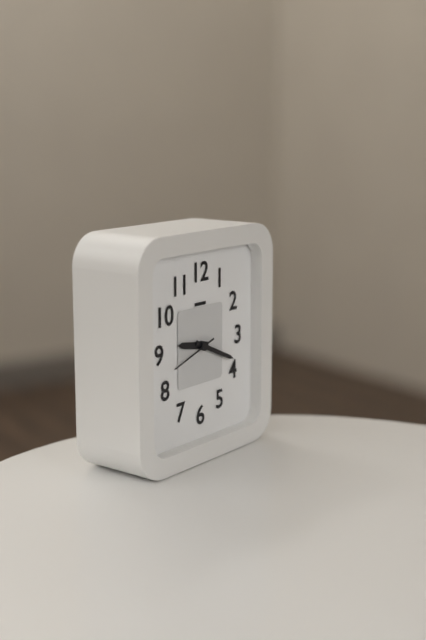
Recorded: **9:19:42**
